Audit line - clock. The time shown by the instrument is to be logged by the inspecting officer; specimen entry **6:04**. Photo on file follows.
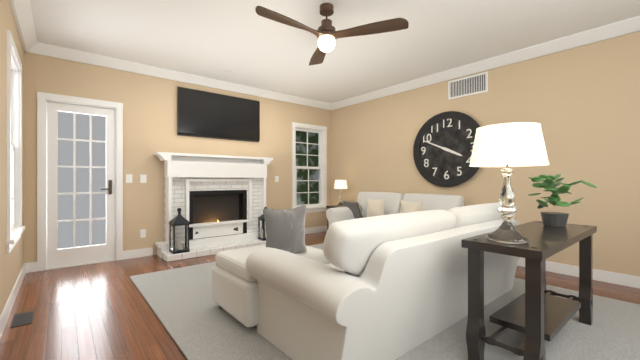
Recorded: **3:49**
